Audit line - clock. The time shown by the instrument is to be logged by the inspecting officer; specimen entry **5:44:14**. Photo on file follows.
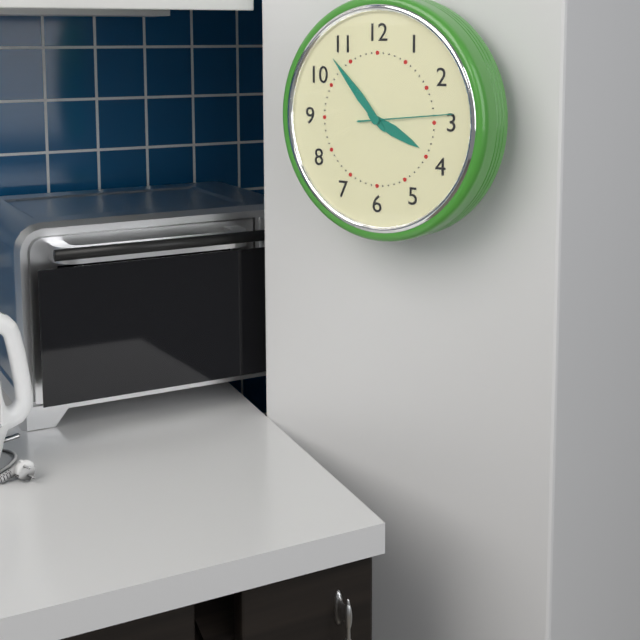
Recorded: **3:53:14**
